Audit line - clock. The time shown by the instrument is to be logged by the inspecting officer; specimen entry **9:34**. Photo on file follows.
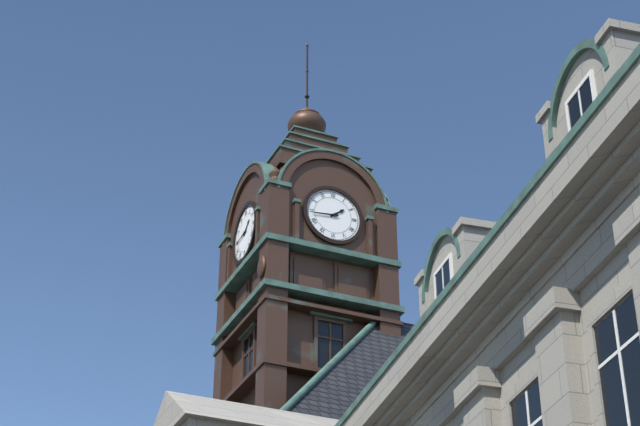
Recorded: **1:44**
